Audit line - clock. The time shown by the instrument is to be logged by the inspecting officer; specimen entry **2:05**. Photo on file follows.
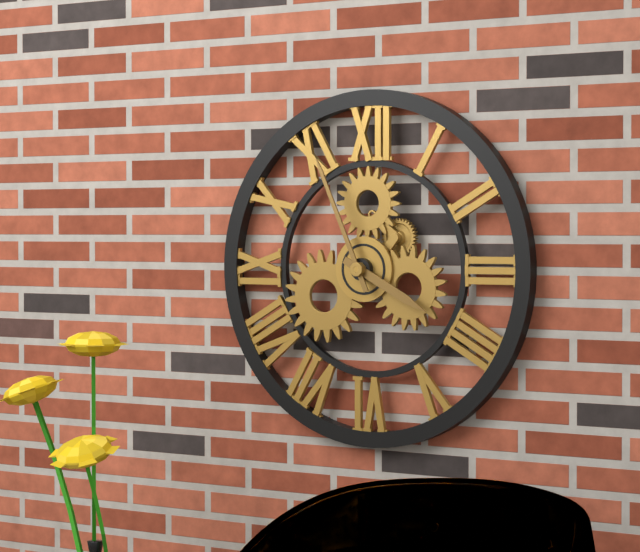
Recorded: **3:56**
